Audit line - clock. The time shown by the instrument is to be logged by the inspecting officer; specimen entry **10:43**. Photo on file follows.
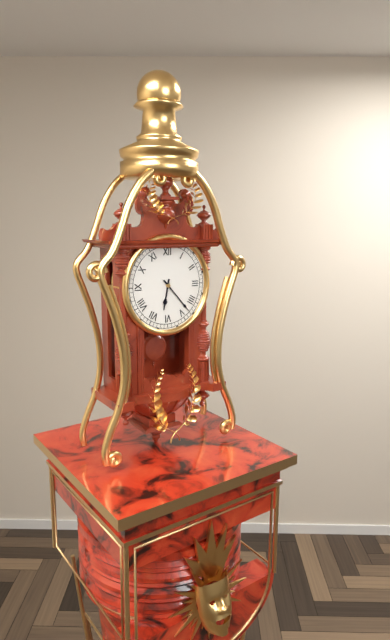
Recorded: **6:23**
